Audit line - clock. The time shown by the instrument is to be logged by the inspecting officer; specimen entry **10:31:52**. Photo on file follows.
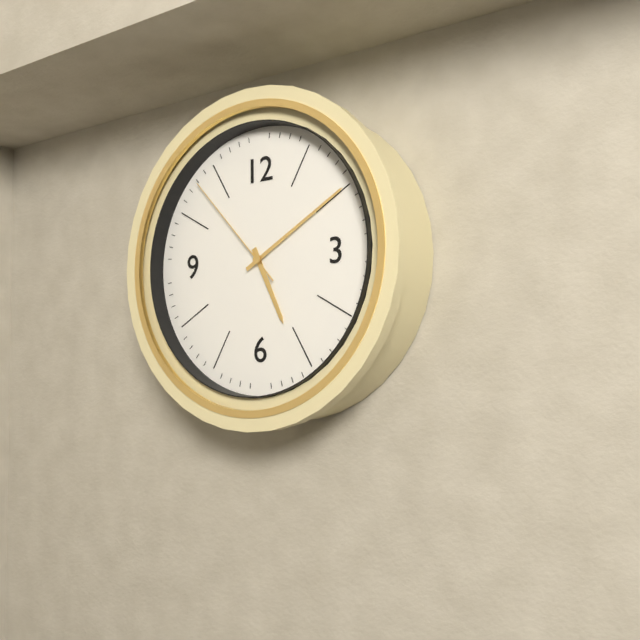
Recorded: **5:10:53**
